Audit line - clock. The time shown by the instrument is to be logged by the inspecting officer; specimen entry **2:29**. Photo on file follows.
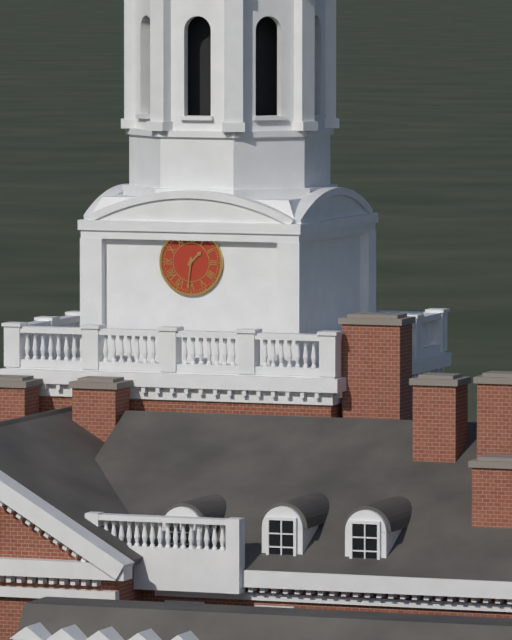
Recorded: **1:31**
